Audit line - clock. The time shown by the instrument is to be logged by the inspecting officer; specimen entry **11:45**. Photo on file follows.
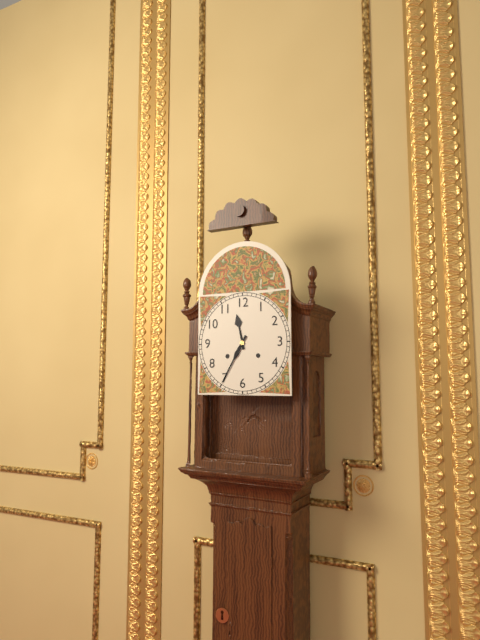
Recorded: **11:35**
